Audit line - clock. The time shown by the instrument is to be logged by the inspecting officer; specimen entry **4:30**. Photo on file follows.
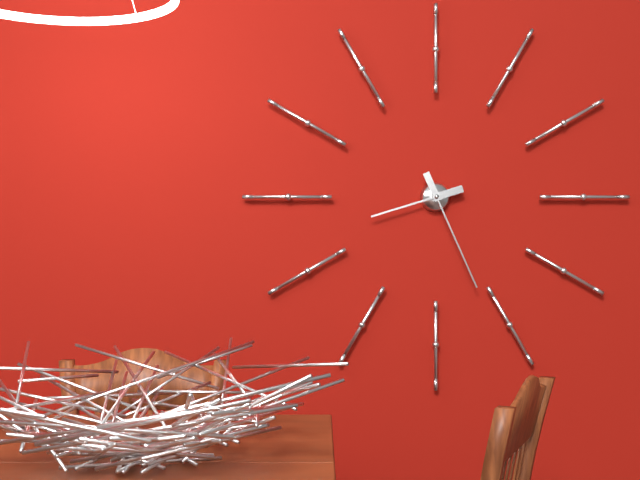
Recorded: **8:26**
